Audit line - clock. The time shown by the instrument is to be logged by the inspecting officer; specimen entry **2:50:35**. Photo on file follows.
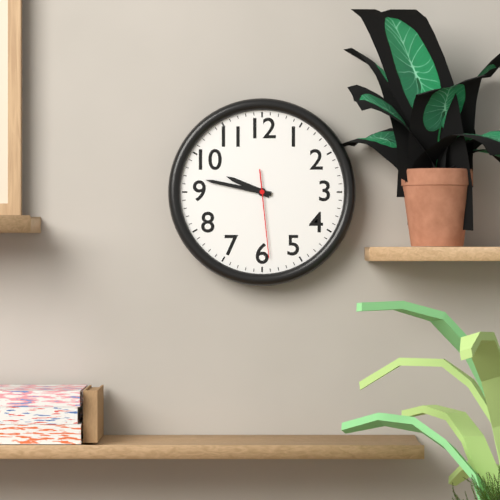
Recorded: **9:47:29**
